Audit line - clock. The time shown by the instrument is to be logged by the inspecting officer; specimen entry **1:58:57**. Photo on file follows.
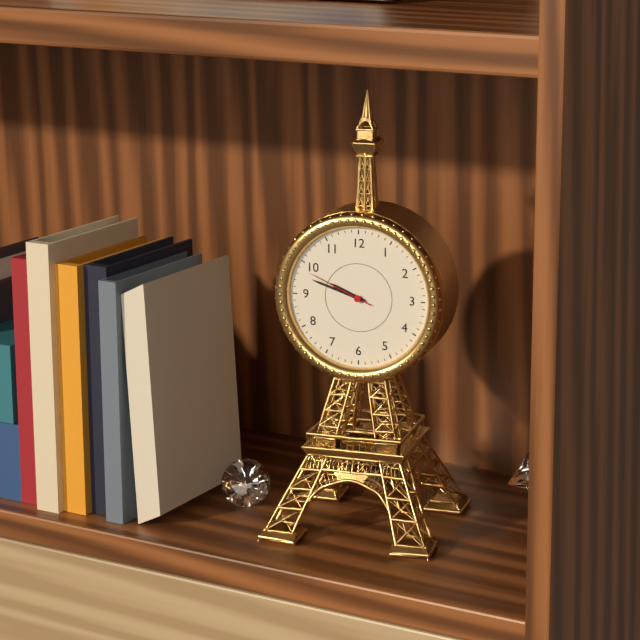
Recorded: **9:48:49**
